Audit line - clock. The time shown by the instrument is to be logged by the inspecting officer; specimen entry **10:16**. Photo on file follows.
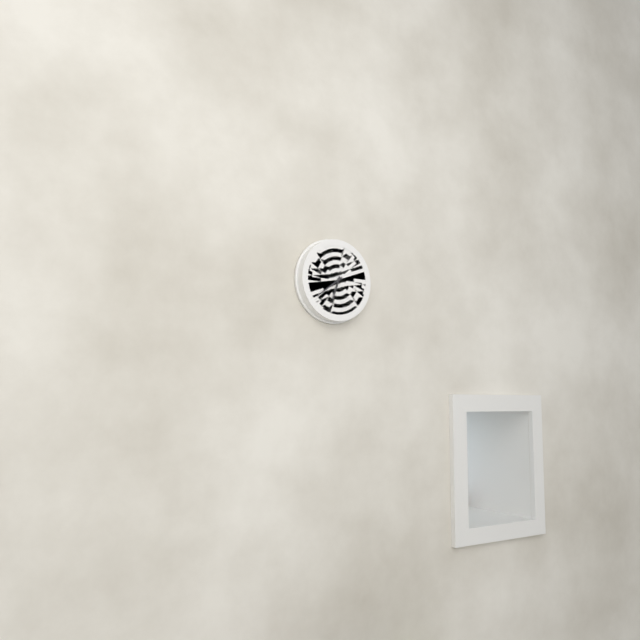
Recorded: **6:39**
